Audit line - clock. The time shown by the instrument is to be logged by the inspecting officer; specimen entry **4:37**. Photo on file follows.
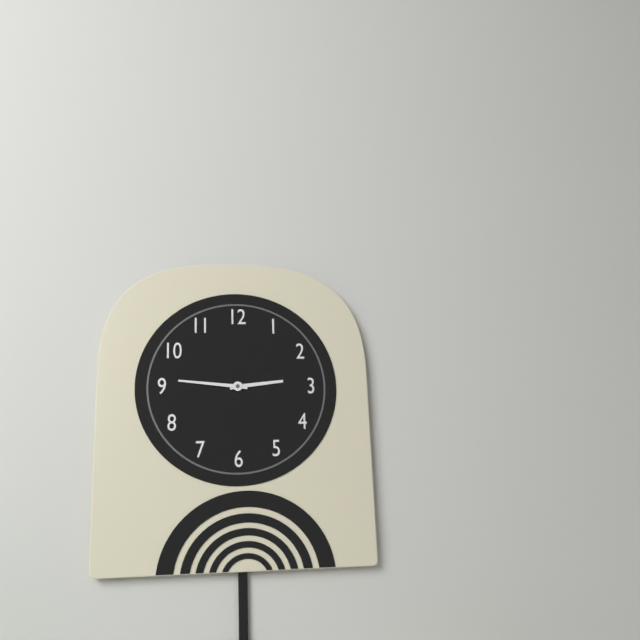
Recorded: **2:46**
